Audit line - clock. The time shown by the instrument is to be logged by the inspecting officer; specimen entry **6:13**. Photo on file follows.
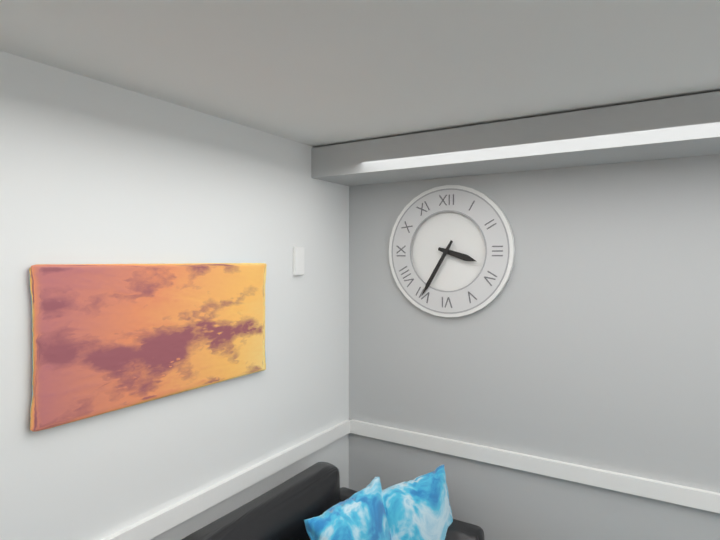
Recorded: **3:35**
